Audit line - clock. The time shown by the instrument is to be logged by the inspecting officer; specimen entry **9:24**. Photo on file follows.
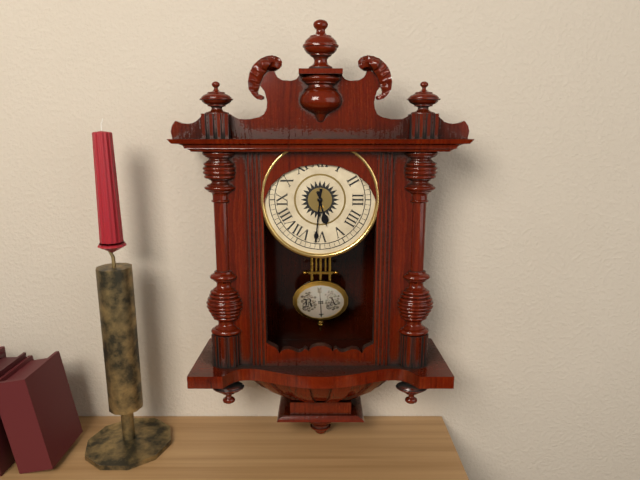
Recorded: **5:31**
